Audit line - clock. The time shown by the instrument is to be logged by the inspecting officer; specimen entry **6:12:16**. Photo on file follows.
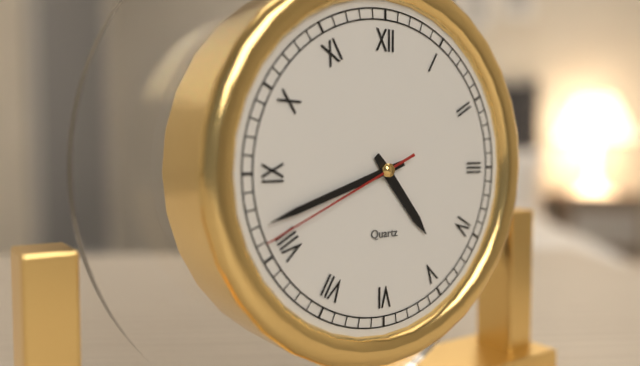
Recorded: **4:42:41**
